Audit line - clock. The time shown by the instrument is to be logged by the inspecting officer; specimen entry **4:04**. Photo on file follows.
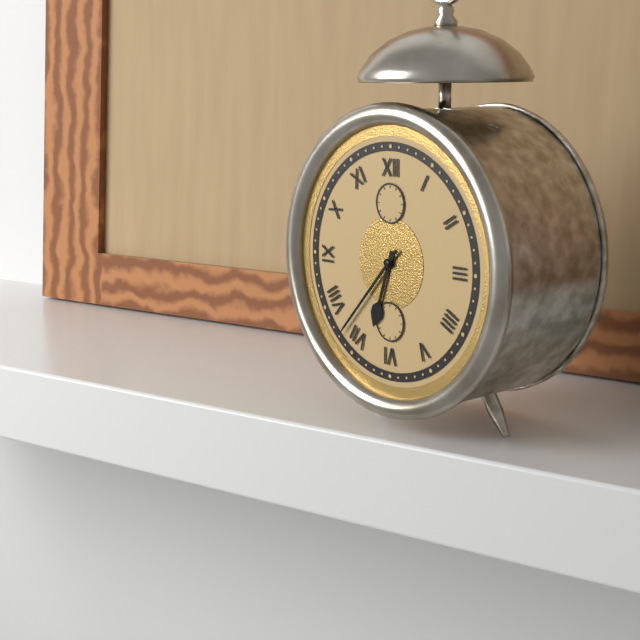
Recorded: **6:37**
